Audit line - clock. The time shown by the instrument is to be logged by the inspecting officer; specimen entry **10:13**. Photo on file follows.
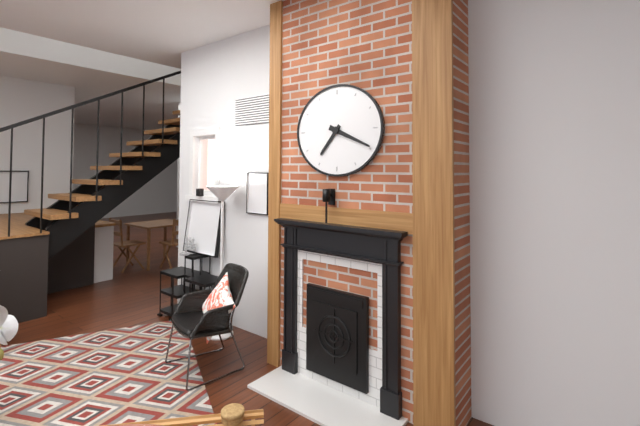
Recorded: **7:19**
